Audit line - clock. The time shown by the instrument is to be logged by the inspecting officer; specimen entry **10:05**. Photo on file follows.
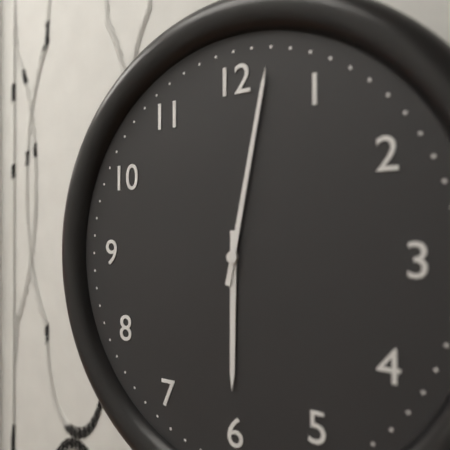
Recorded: **6:02**
